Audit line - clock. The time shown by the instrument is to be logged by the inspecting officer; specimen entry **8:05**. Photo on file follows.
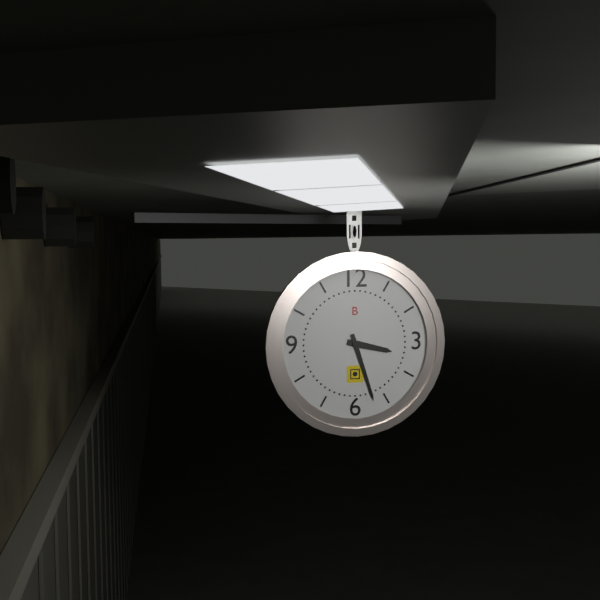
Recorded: **3:27**
